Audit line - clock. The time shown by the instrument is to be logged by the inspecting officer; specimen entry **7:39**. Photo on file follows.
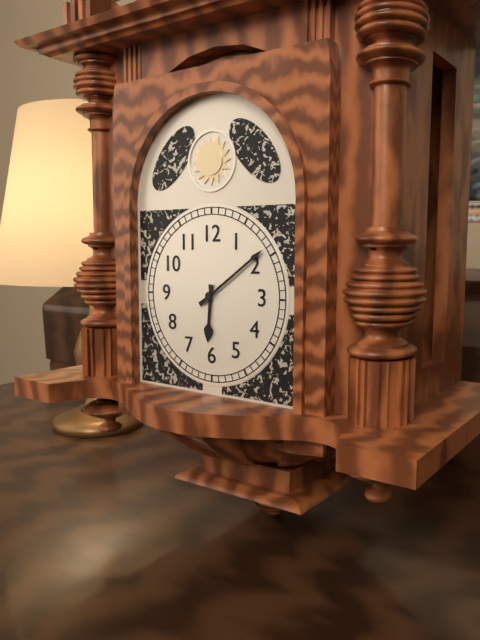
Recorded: **6:09**
